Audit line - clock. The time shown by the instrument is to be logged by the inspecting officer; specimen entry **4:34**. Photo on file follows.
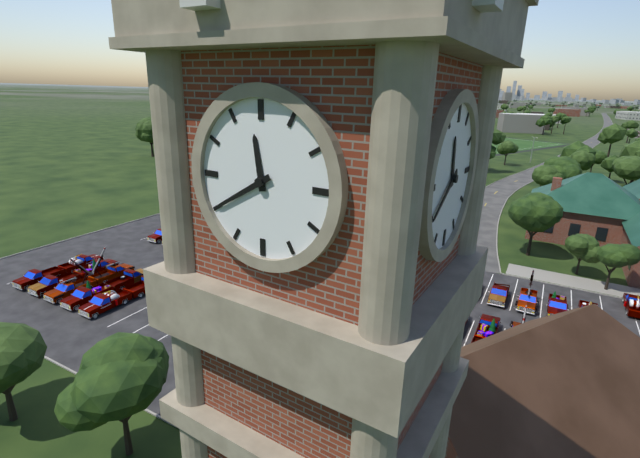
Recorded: **11:40**
